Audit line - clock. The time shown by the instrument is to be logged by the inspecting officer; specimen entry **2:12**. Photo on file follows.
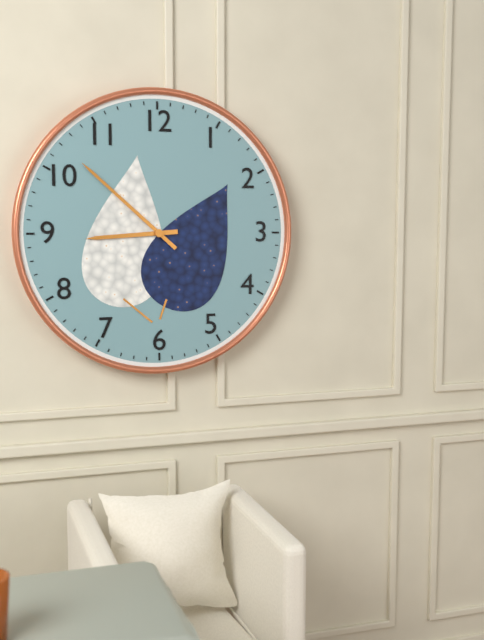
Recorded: **8:52**
